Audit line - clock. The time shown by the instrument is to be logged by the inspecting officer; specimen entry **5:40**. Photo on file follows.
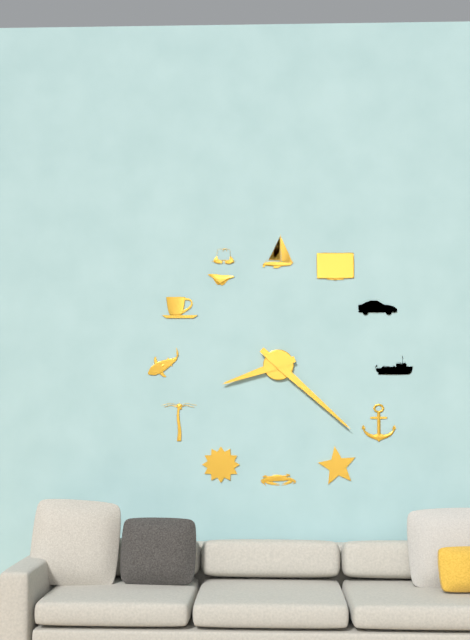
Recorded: **8:22**
